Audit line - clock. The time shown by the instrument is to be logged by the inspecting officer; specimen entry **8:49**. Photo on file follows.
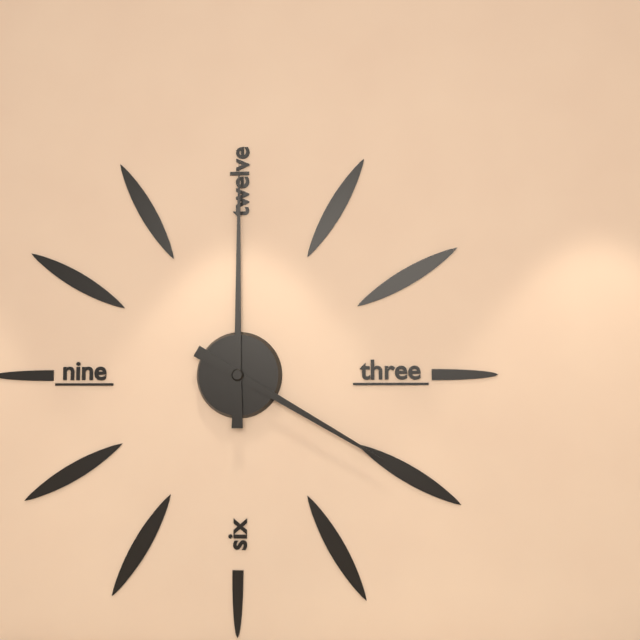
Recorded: **4:00**
